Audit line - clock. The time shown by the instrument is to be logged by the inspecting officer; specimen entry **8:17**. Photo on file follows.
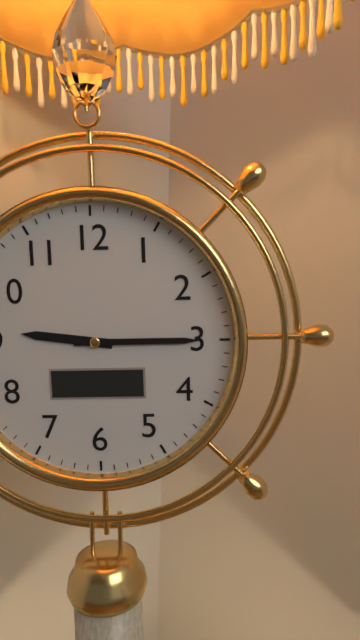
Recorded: **9:15**
